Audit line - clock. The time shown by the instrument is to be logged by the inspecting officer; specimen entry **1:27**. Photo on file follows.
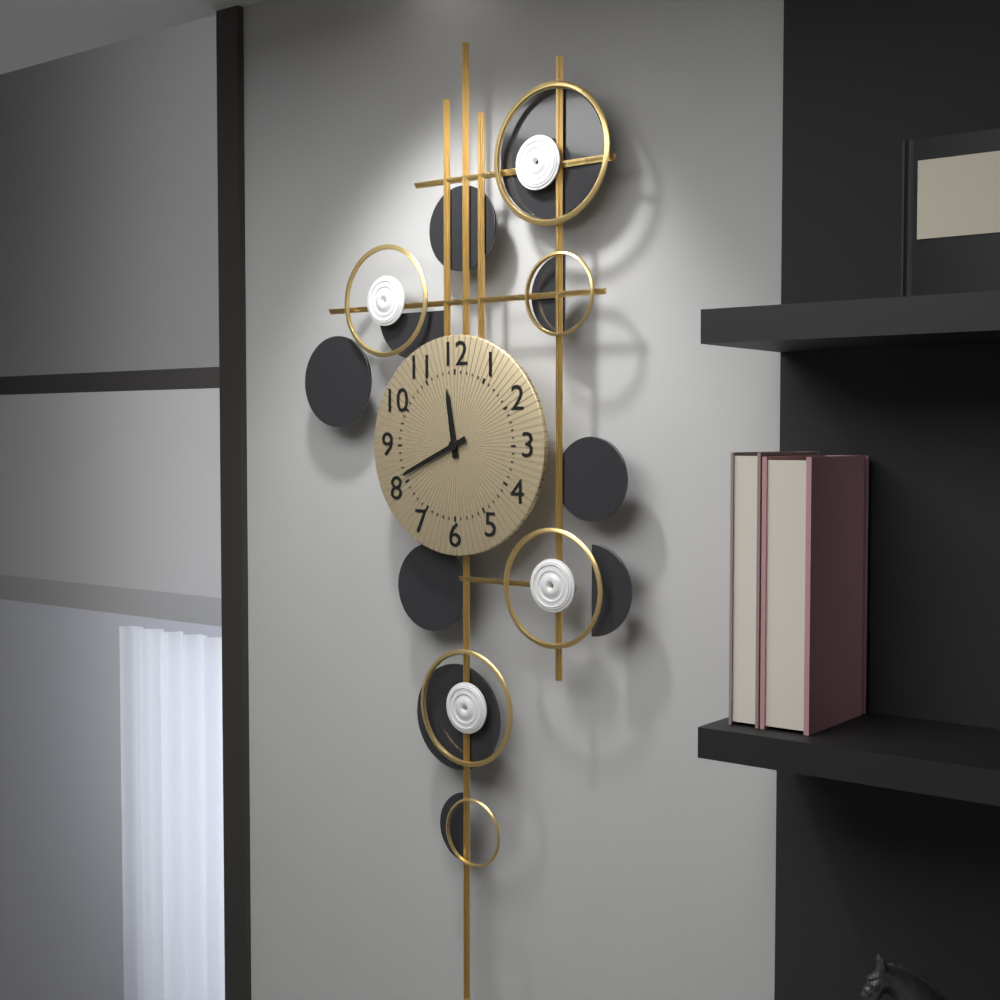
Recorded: **11:41**
